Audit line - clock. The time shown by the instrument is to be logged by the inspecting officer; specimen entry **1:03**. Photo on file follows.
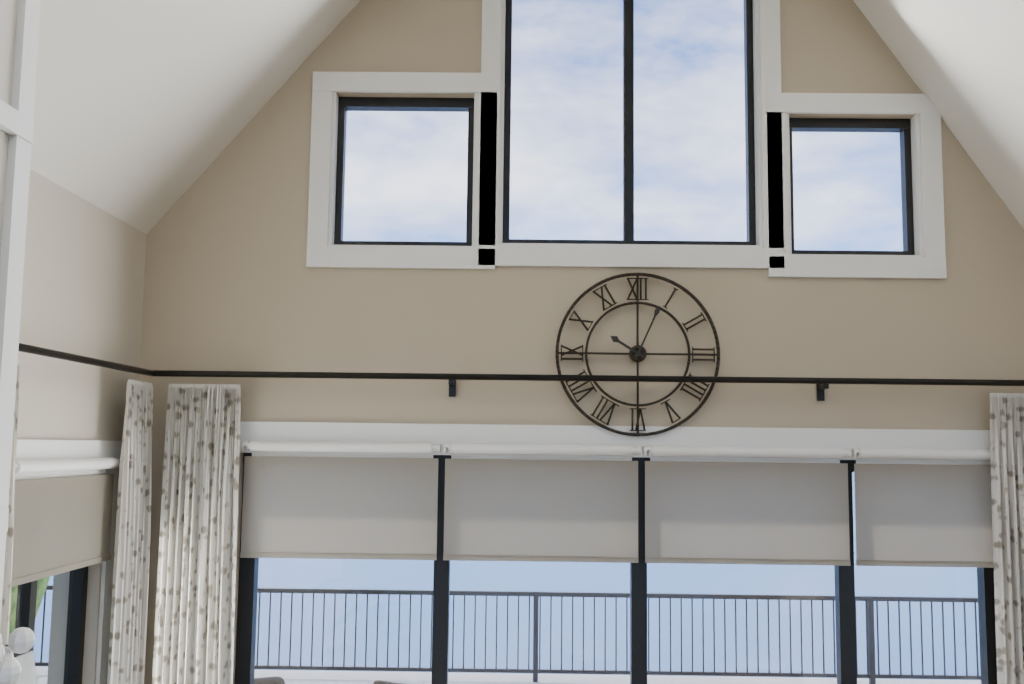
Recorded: **10:04**
